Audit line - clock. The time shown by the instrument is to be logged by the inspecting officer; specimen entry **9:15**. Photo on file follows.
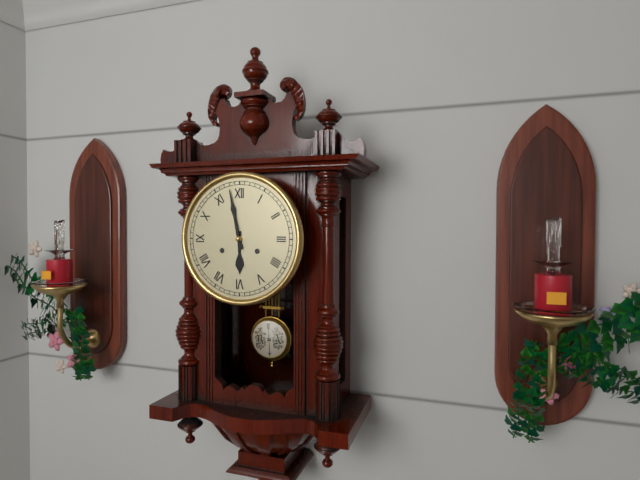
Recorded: **5:58**
